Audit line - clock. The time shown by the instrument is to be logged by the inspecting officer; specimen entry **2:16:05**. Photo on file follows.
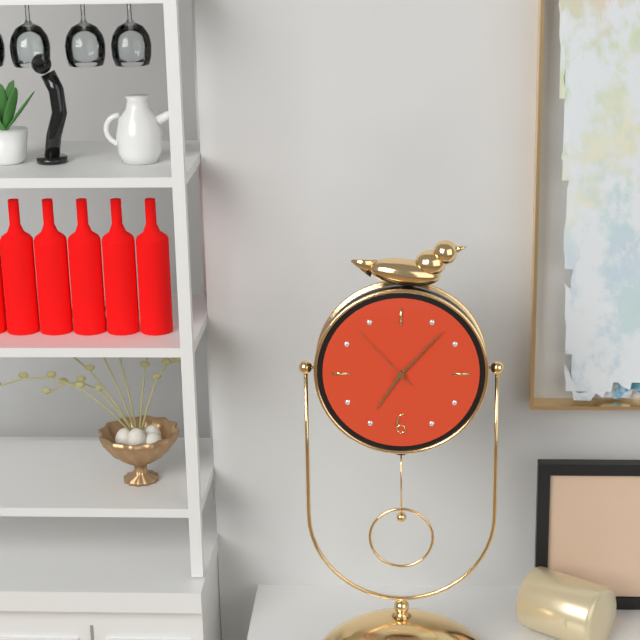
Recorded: **7:07:53**
